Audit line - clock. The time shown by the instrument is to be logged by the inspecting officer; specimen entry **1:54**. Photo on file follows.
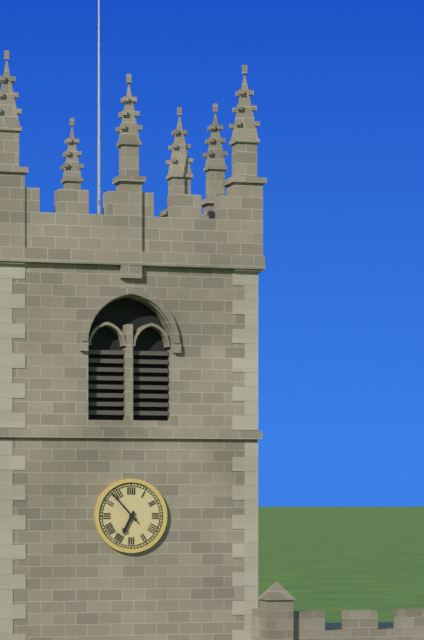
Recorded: **6:53**
